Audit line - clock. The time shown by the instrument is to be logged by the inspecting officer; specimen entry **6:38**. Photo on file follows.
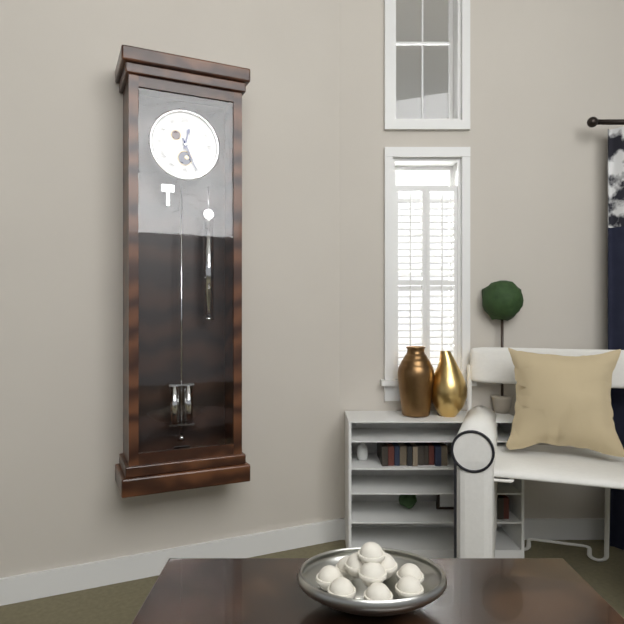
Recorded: **12:26**
